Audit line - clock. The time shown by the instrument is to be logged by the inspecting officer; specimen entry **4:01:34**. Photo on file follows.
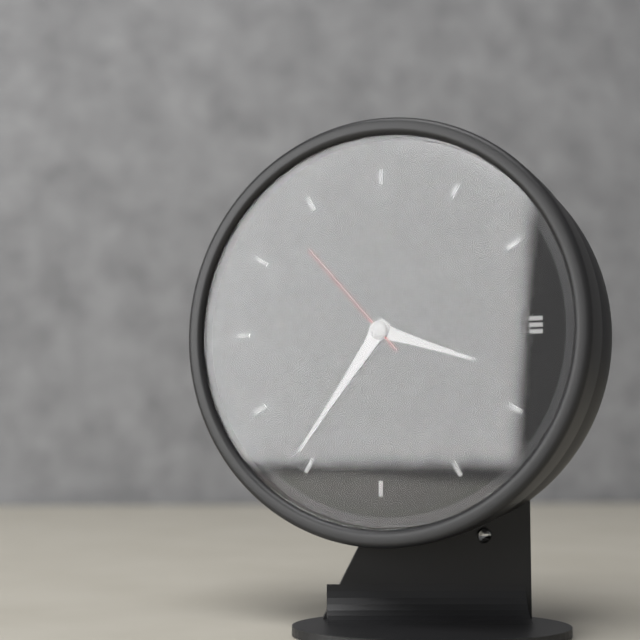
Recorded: **3:36:53**
